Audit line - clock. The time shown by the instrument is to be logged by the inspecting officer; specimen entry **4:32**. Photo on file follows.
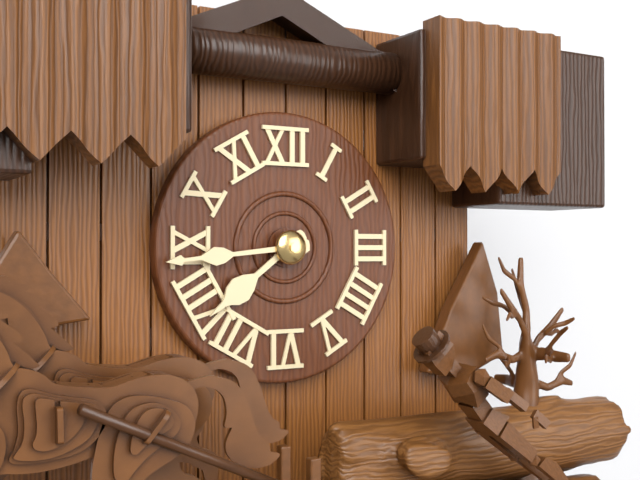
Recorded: **7:44**
